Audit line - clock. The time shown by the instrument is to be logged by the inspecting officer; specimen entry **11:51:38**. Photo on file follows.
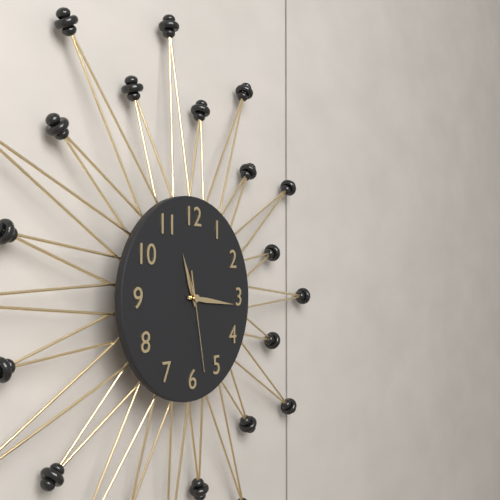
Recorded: **11:16:28**
